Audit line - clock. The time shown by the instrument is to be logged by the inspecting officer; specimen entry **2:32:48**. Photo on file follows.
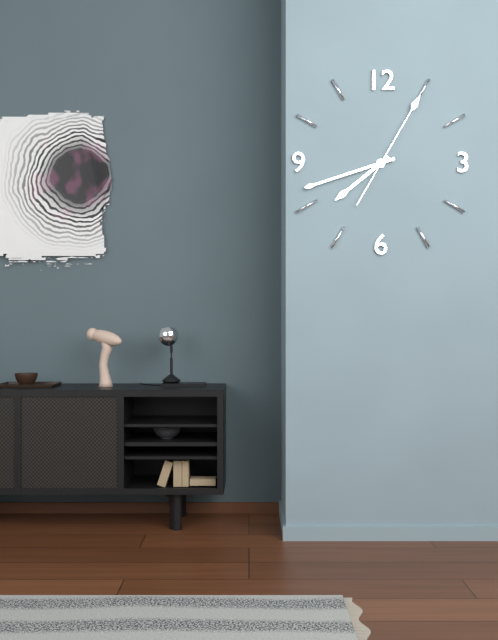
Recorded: **7:42:05**
